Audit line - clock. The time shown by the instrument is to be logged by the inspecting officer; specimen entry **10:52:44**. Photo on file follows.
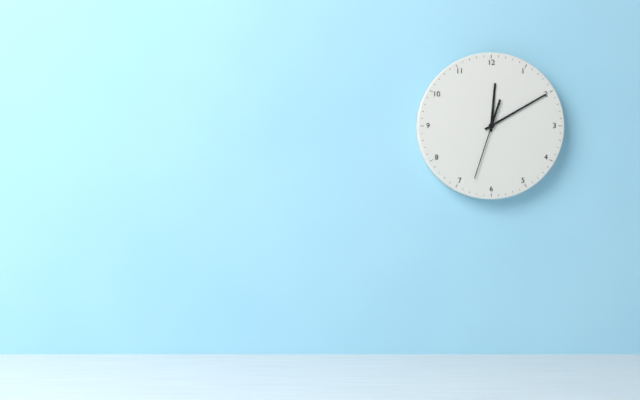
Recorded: **12:10:33**
